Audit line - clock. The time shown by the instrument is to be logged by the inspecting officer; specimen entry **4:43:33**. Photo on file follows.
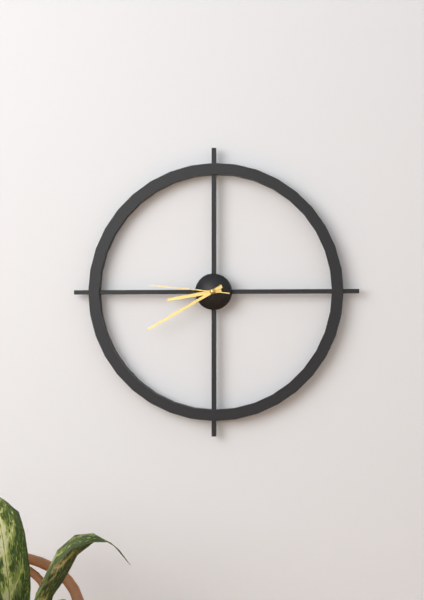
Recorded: **8:40:46**
